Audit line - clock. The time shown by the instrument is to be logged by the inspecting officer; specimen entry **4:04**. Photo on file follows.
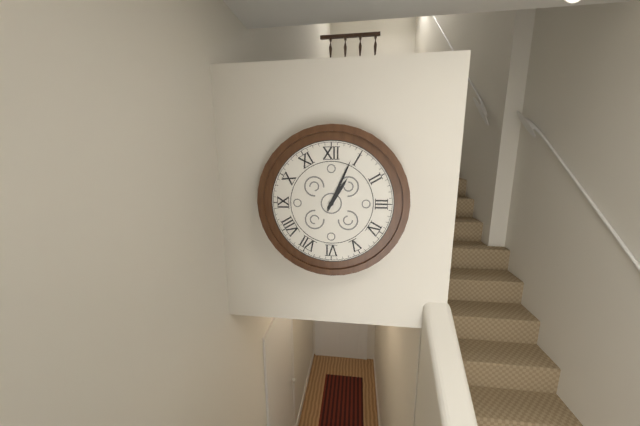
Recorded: **1:04**
